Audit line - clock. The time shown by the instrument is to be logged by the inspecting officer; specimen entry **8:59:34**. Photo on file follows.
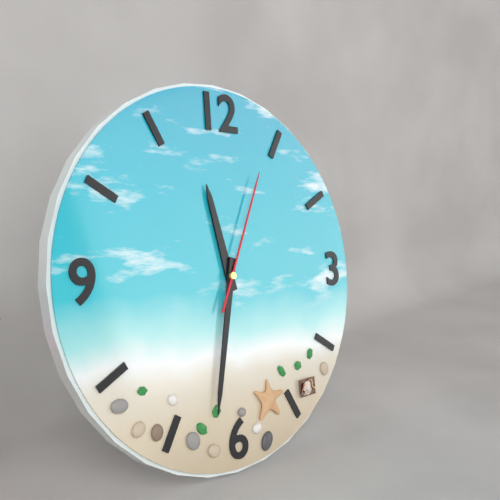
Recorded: **11:32:04**
